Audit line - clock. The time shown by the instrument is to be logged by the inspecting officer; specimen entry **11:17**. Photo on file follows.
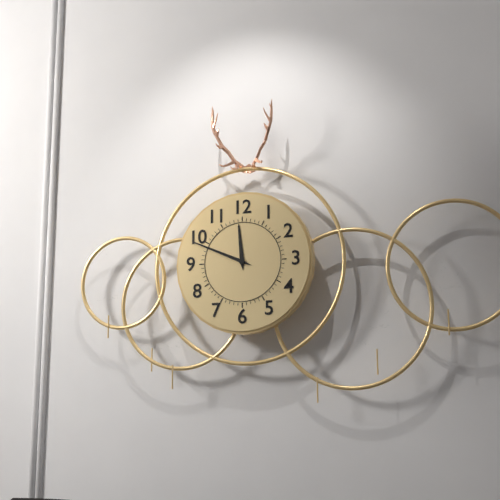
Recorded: **11:49**
